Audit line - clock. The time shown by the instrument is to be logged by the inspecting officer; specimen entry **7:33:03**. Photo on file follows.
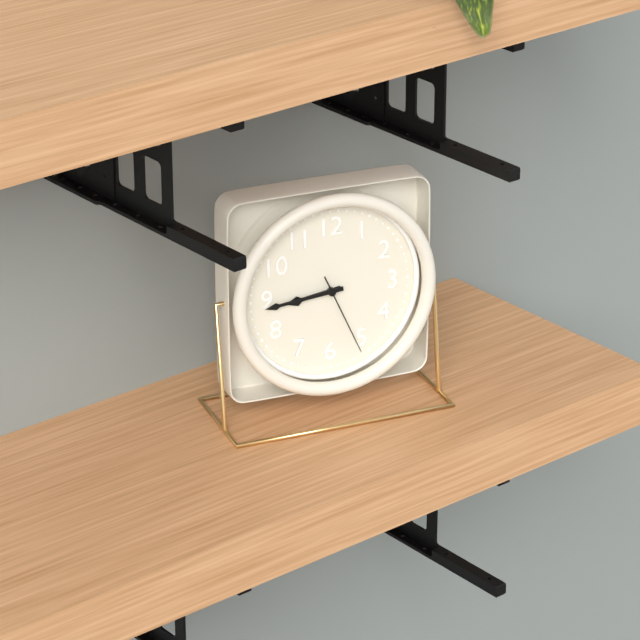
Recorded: **8:44:26**
